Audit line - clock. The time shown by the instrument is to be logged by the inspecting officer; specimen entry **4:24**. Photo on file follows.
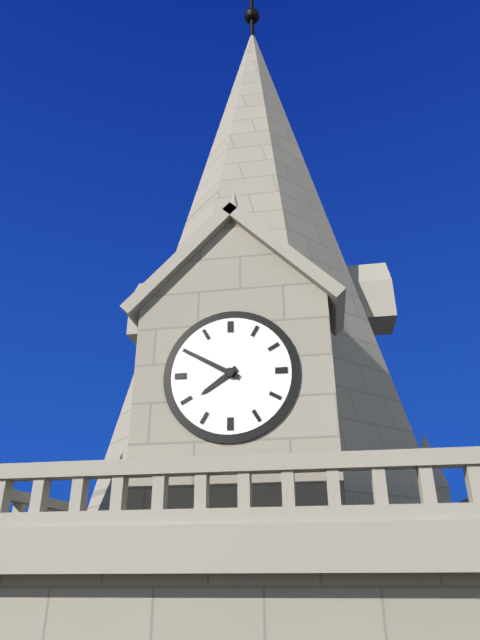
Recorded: **7:50**
